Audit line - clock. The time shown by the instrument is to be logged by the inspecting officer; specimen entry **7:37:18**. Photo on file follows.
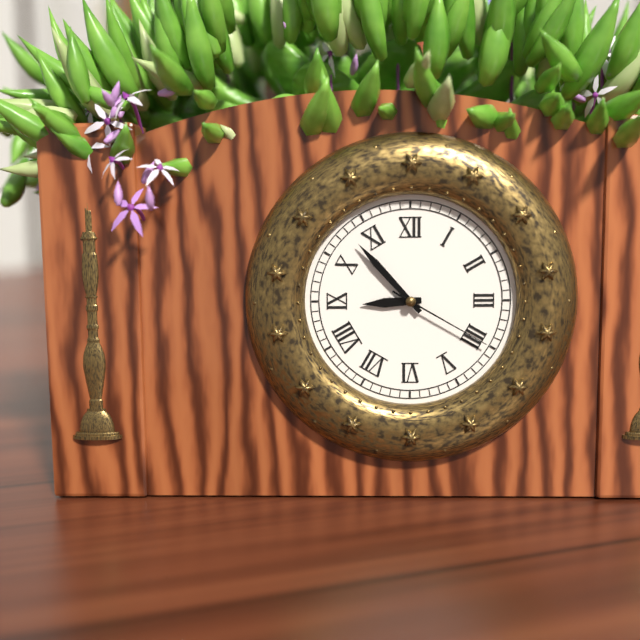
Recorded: **8:53:20**
